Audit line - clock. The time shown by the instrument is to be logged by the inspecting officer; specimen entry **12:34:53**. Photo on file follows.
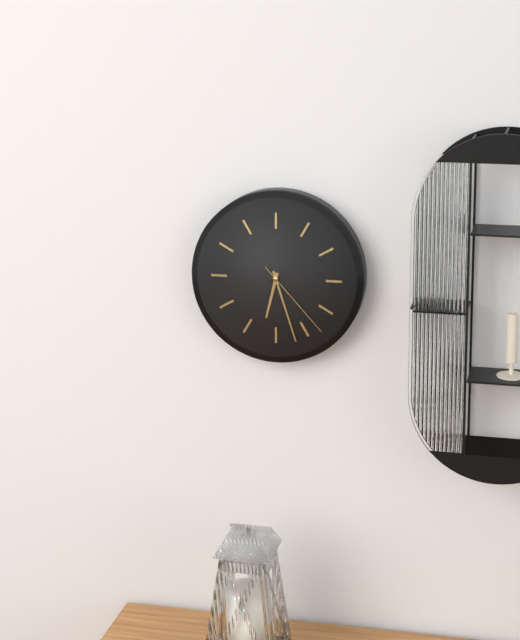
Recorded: **6:27:23**
